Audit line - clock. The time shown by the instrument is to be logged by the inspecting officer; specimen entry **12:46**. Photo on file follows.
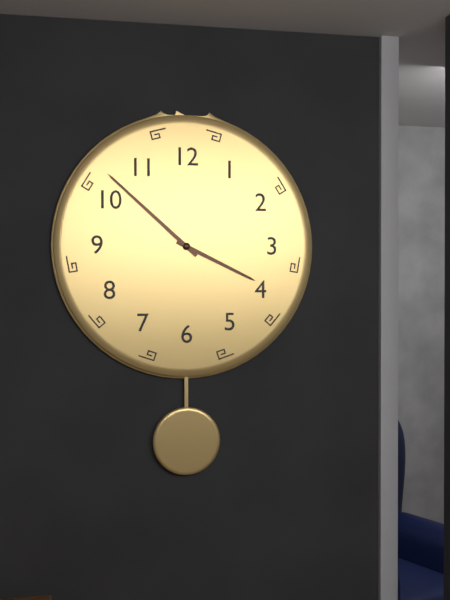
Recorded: **3:52**
